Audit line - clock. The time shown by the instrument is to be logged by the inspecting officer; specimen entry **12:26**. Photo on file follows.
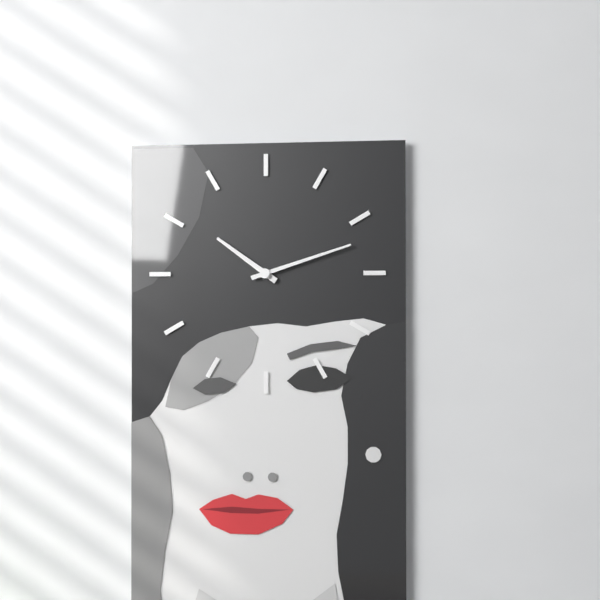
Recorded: **10:12**
